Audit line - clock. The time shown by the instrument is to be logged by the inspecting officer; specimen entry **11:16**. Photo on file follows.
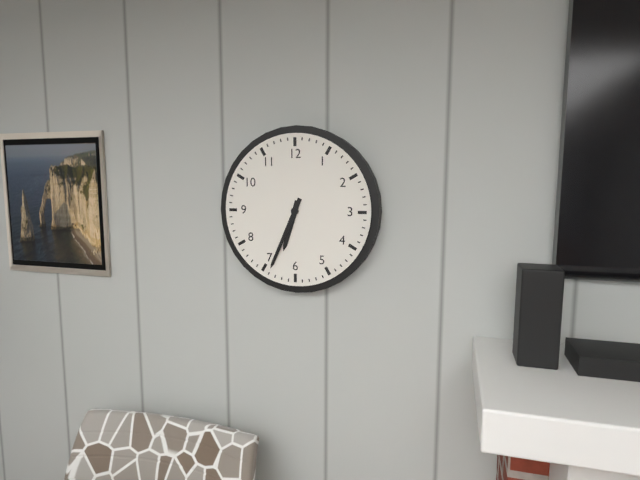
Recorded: **6:34**
